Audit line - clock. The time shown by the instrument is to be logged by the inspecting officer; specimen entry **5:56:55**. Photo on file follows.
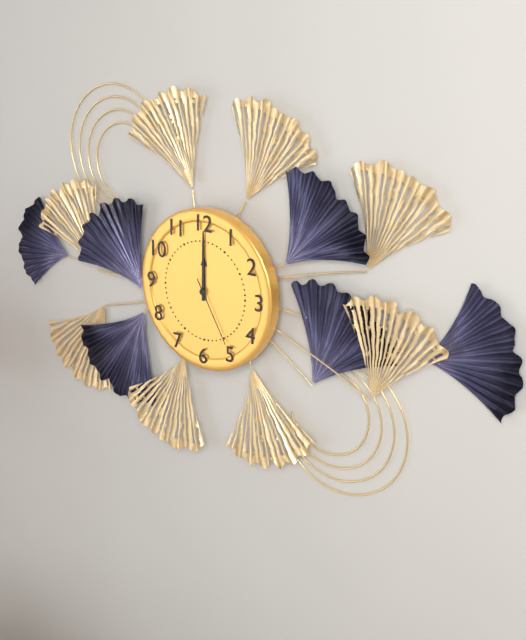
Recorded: **12:00:25**
